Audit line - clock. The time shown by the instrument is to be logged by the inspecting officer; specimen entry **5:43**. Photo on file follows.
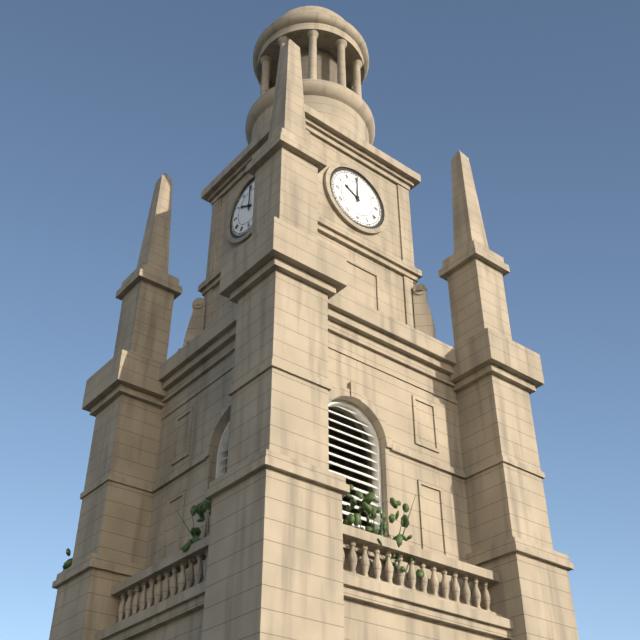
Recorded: **10:00**
